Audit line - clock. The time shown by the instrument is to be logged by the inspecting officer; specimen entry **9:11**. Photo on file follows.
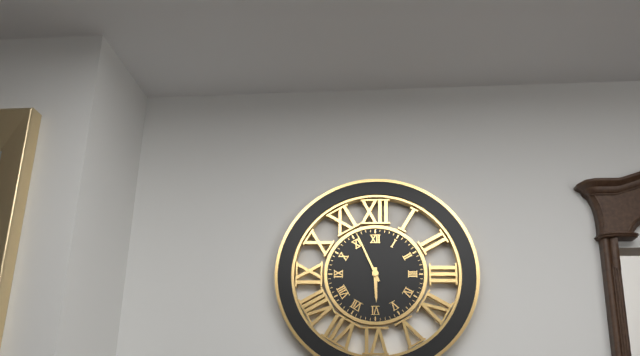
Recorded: **5:56**
